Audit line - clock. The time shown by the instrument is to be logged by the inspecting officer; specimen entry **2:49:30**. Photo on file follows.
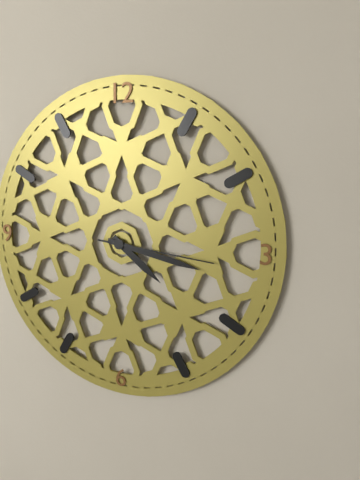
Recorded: **4:17:16**
